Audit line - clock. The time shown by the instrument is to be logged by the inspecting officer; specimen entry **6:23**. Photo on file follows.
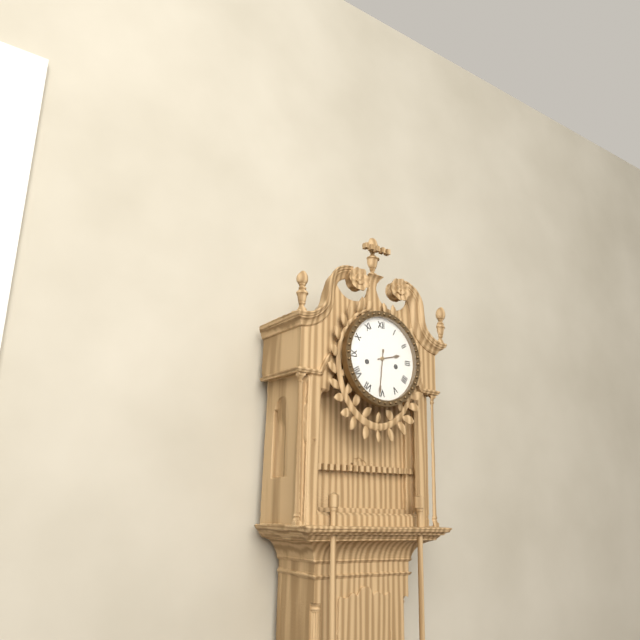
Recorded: **2:31**
